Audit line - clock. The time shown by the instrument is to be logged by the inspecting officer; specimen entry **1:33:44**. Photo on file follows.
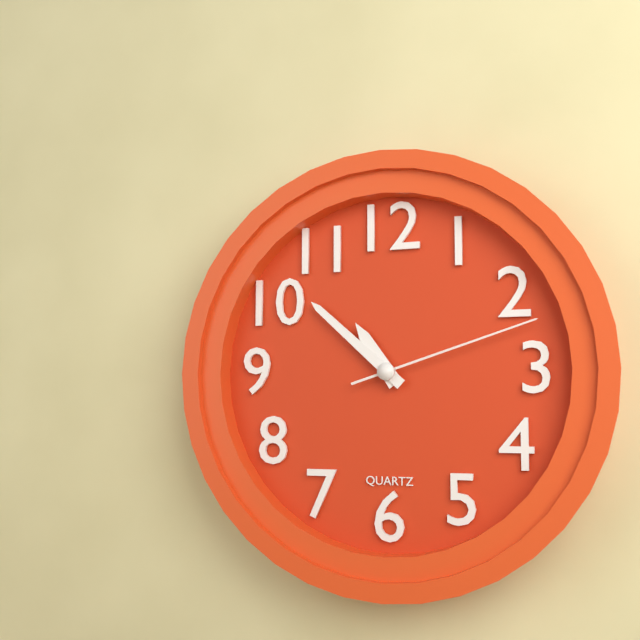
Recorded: **10:52:12**
